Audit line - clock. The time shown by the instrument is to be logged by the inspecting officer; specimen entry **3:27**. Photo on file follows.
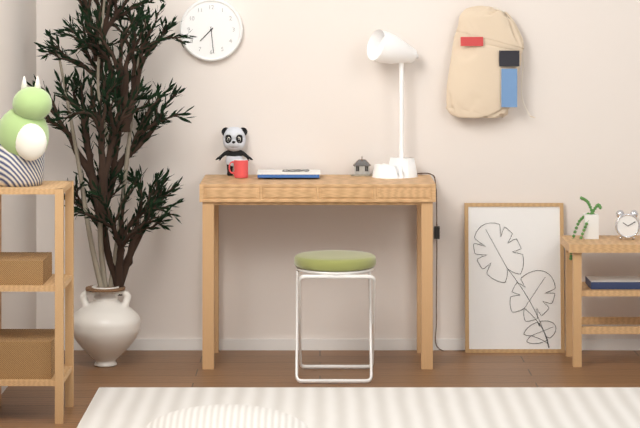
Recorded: **7:29**
